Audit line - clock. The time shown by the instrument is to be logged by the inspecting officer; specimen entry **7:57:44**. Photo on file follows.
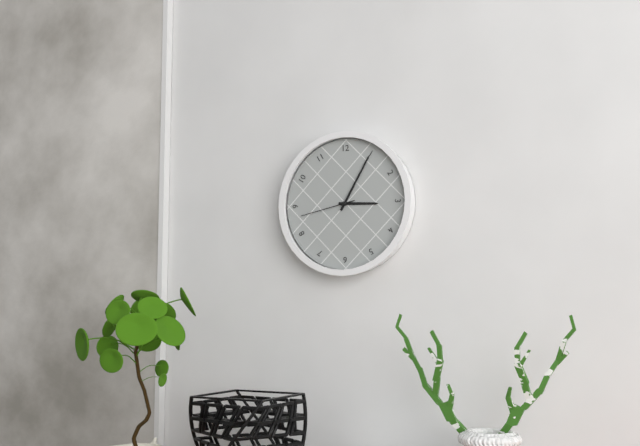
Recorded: **3:05:43**
